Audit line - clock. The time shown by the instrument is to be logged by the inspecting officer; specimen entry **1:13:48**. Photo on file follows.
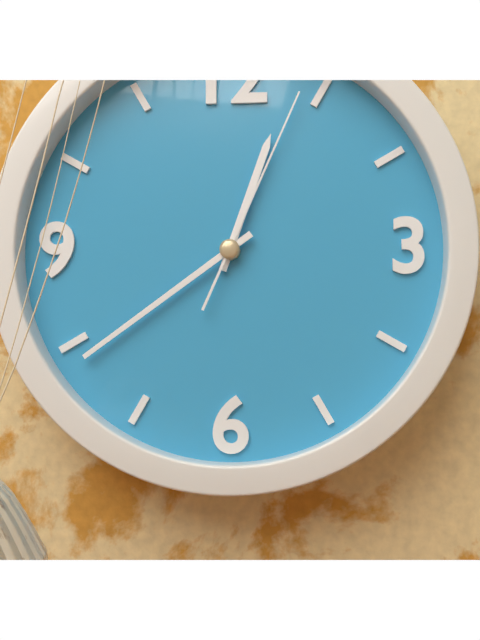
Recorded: **12:39:04**
